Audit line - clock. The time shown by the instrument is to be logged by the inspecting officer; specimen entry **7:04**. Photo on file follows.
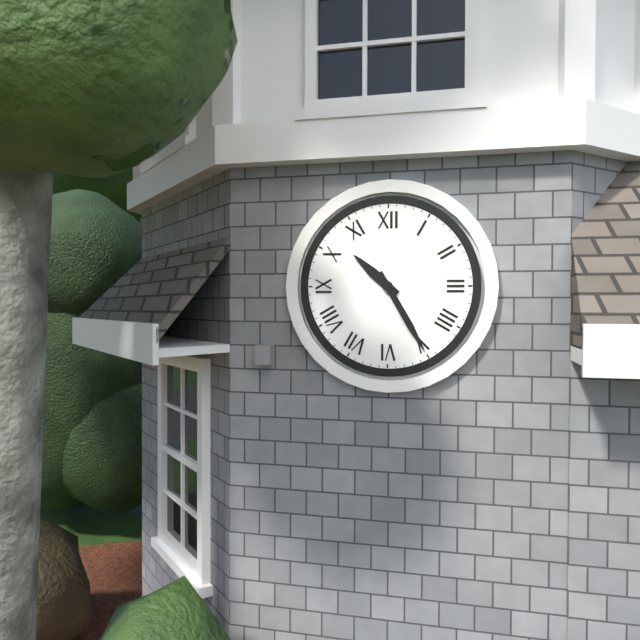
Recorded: **10:25**
